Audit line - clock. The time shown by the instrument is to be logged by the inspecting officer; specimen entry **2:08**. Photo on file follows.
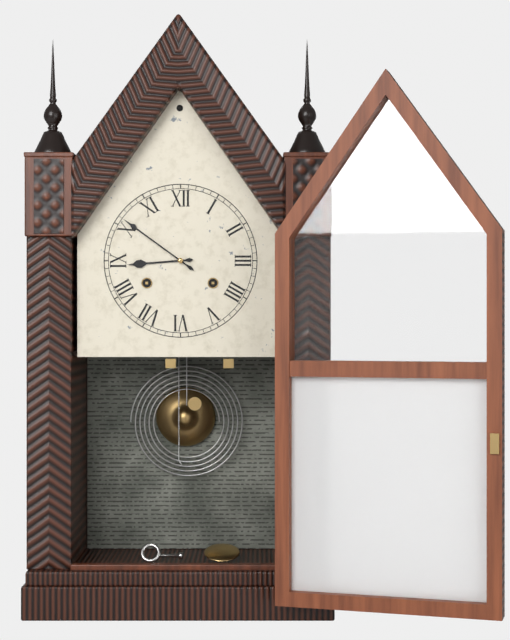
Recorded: **8:51**
